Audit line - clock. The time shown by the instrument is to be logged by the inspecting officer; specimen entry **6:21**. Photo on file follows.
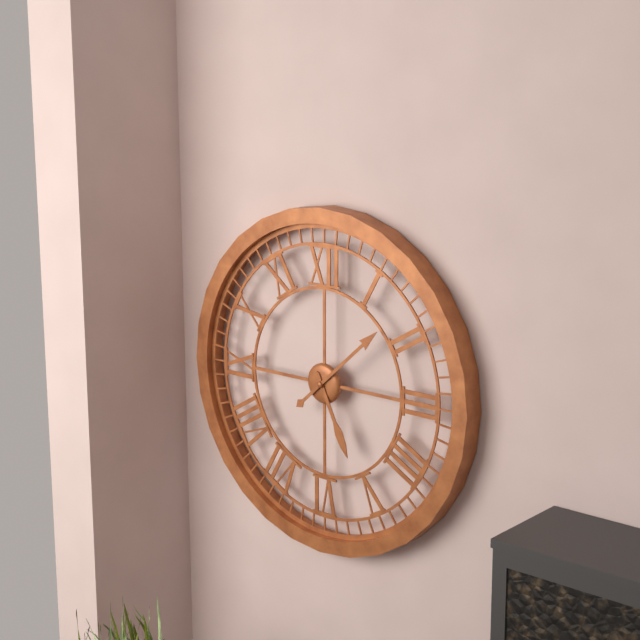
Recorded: **5:08**
